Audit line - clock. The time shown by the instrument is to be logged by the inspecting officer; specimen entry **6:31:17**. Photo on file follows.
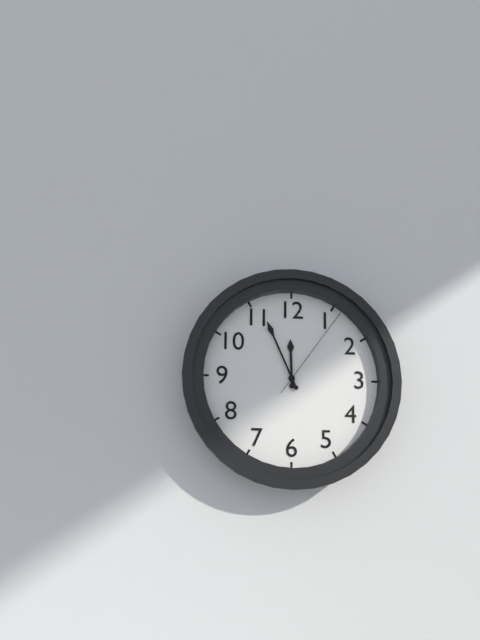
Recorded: **11:56:06**
